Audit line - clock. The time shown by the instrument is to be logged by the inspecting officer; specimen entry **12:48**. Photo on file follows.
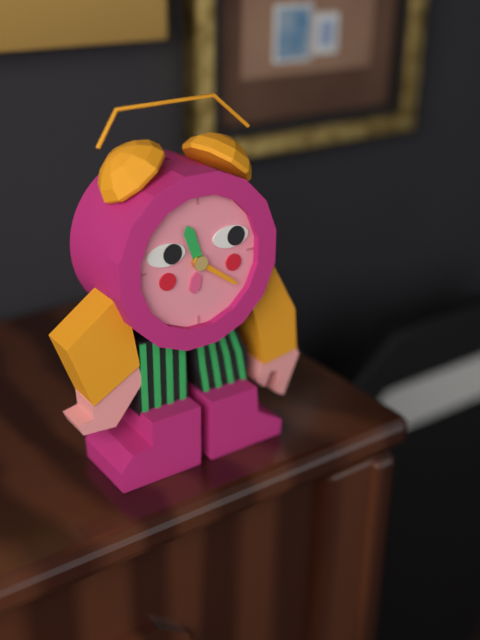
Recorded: **11:21**
